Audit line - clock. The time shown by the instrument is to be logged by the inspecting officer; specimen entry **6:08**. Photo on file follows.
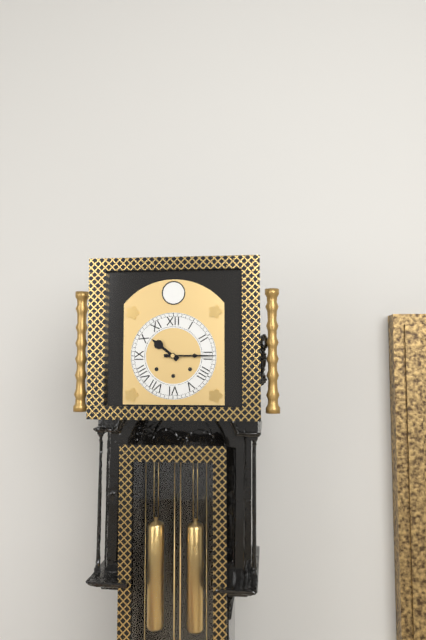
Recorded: **10:15**
